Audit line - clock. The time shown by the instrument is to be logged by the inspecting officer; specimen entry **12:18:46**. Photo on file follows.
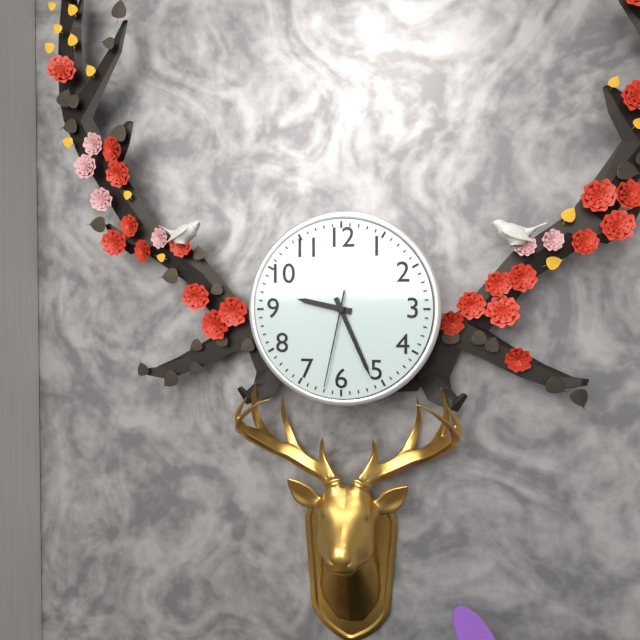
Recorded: **9:26:32**
